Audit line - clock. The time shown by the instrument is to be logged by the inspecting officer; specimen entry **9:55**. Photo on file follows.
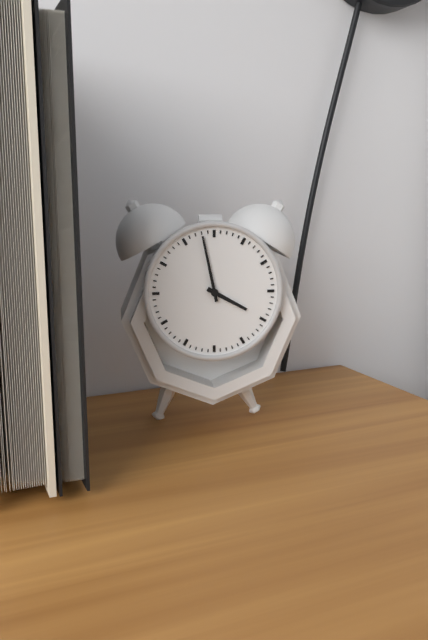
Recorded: **3:58**
